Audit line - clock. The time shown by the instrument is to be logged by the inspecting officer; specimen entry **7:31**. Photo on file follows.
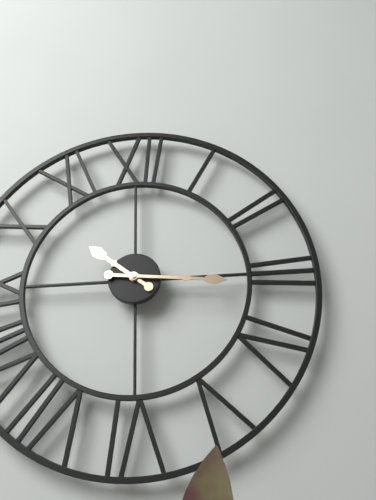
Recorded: **10:16**
